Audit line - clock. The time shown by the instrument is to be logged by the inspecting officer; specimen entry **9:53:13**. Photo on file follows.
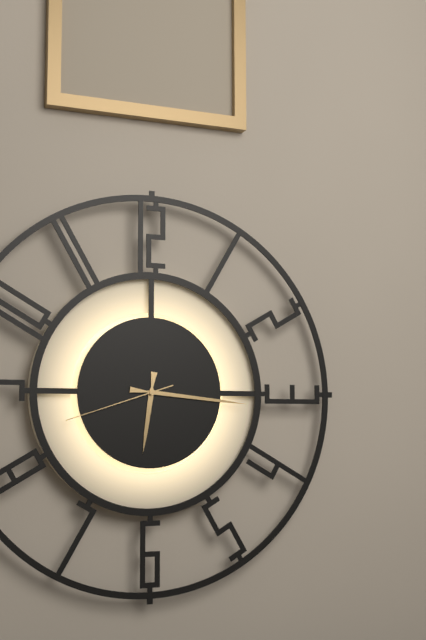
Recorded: **6:16:42**
